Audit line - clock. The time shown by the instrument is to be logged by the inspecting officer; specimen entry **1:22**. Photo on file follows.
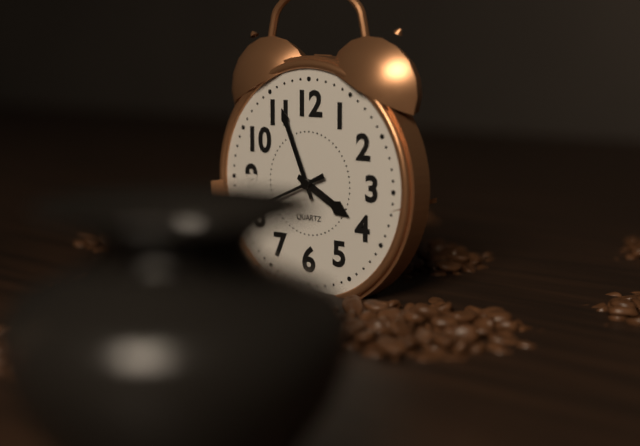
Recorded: **3:56**
